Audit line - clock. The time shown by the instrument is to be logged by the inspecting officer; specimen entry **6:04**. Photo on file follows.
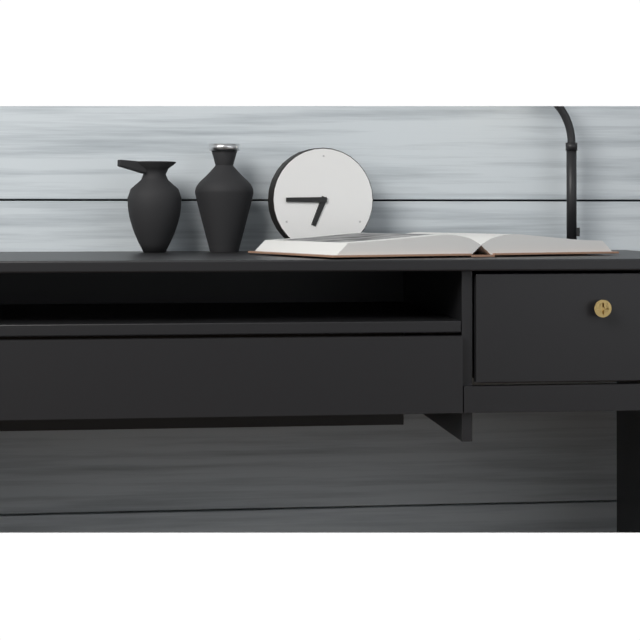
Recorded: **6:45**
